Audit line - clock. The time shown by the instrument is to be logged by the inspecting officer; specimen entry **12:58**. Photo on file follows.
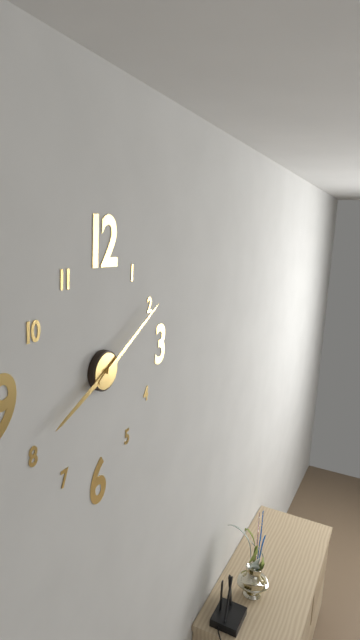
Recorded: **8:10**
